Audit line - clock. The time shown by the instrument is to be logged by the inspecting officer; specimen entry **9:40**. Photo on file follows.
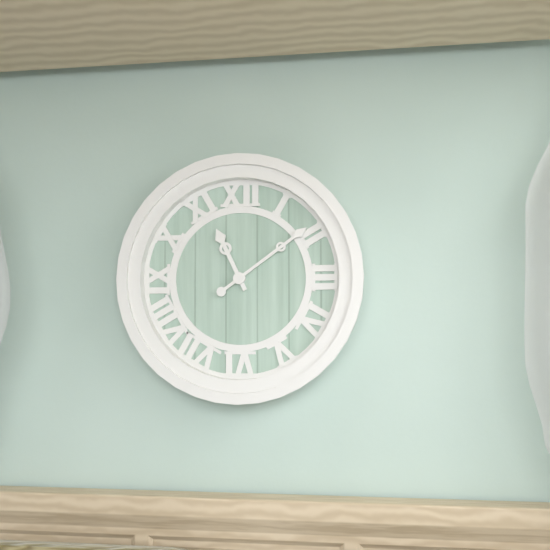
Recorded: **11:09**
